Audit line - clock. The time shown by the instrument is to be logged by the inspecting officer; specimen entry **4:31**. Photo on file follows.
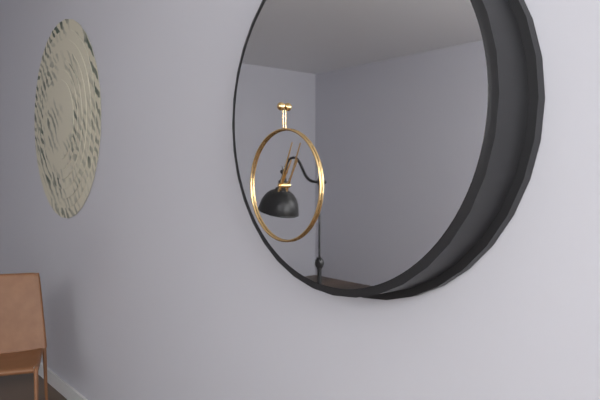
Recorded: **1:04**
